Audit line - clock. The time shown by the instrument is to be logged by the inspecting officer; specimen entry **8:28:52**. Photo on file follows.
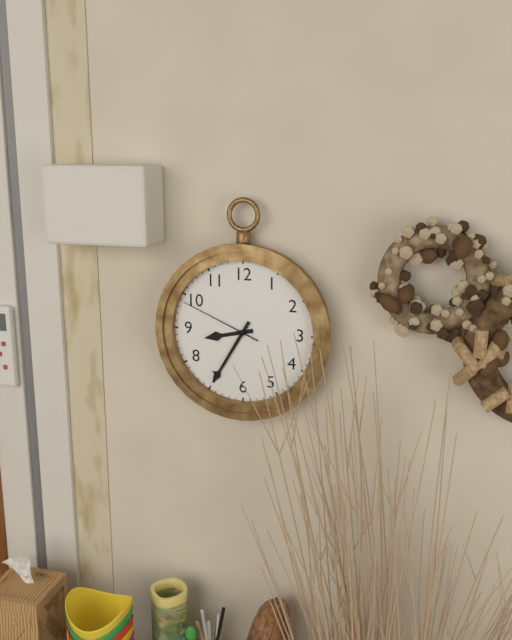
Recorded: **8:35:49**
